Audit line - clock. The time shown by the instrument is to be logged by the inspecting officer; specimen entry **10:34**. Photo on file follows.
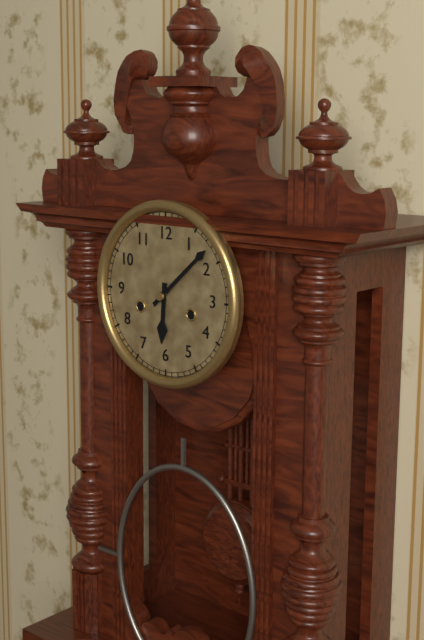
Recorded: **6:08**
